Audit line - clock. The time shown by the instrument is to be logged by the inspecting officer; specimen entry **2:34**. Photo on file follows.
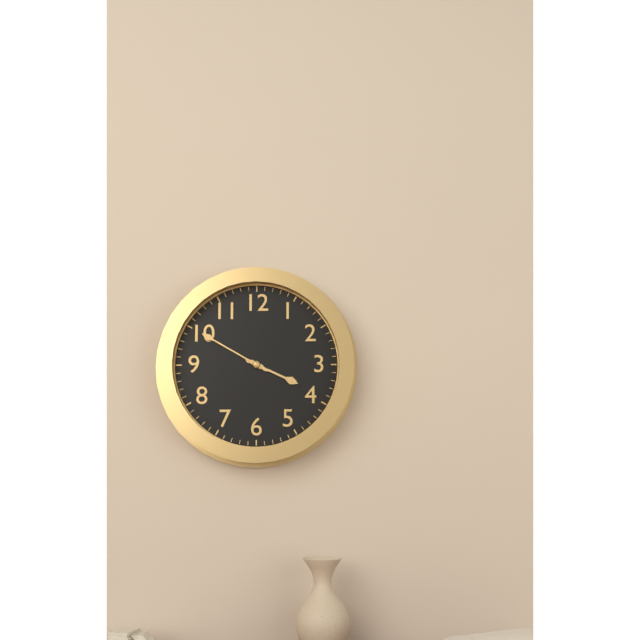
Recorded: **3:50**
